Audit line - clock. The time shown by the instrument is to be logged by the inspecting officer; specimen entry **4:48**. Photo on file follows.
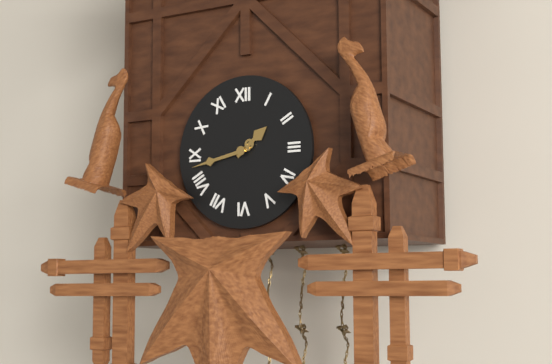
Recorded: **1:43**
